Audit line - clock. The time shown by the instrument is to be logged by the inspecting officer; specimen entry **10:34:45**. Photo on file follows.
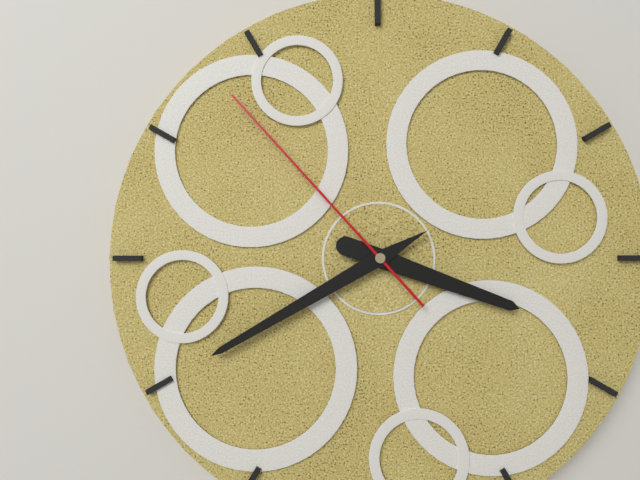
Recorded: **3:40:53**
